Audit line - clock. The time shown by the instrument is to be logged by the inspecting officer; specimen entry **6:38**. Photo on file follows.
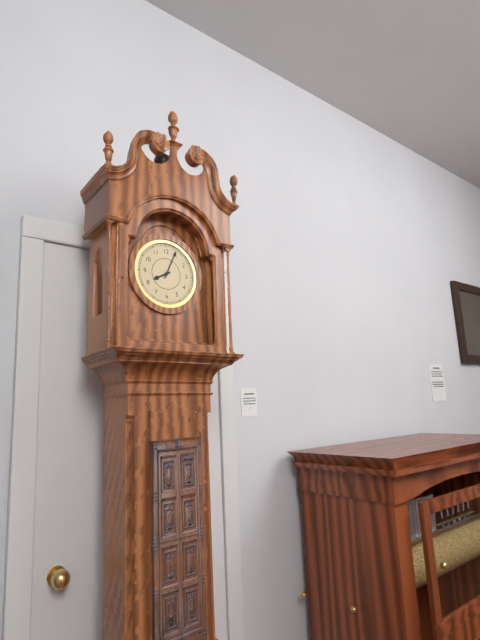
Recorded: **8:04**
